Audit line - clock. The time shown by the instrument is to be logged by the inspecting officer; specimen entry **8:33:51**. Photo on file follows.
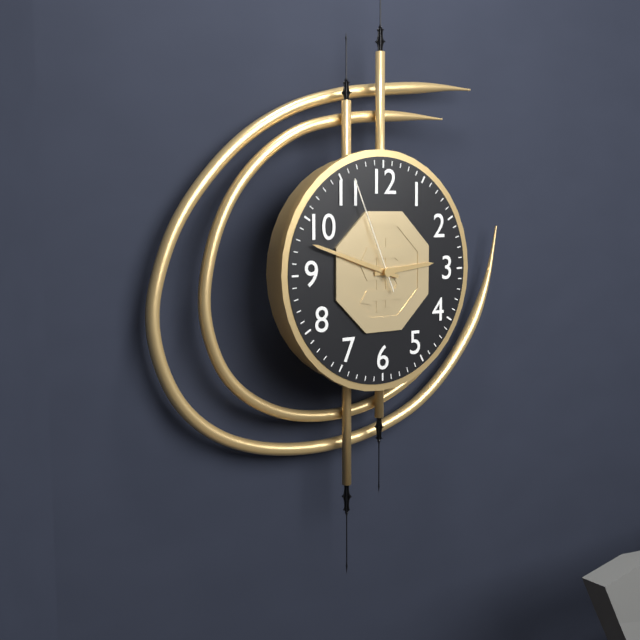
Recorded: **2:48:56**
